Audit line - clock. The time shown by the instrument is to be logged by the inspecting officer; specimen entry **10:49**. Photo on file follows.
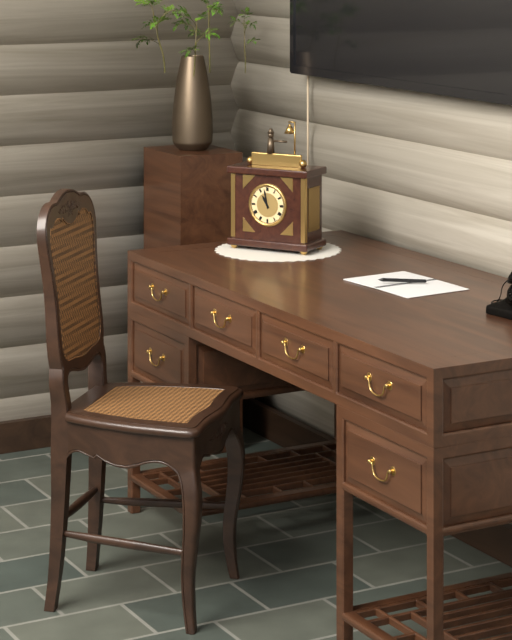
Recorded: **10:58**
